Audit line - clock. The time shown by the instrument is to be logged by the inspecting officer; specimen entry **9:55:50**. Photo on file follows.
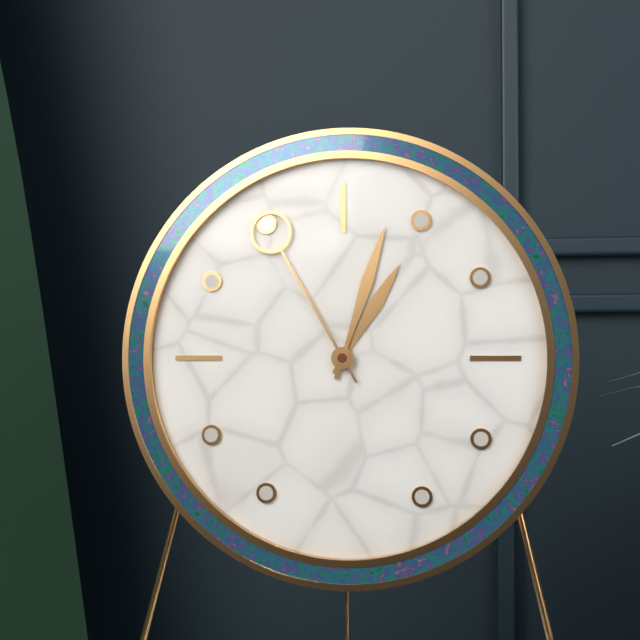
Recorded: **1:03:55**
